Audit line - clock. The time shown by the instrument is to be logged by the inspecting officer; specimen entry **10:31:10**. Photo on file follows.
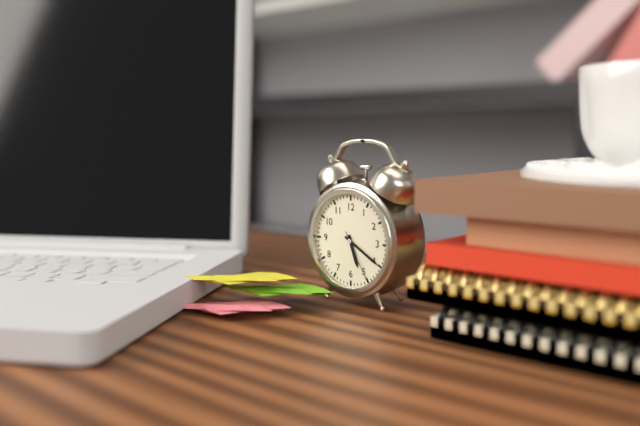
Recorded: **5:20:25**
